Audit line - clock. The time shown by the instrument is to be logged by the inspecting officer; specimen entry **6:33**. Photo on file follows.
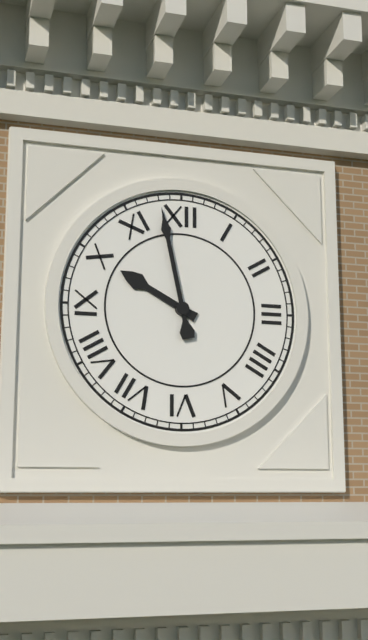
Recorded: **9:58**
